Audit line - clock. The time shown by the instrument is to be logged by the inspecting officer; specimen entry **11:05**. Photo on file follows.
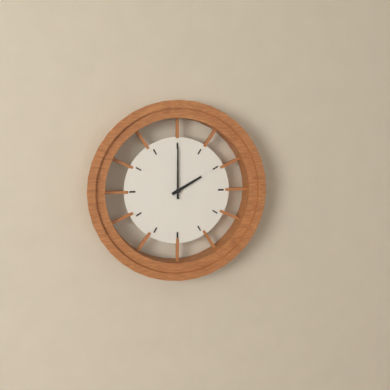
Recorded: **2:00**
